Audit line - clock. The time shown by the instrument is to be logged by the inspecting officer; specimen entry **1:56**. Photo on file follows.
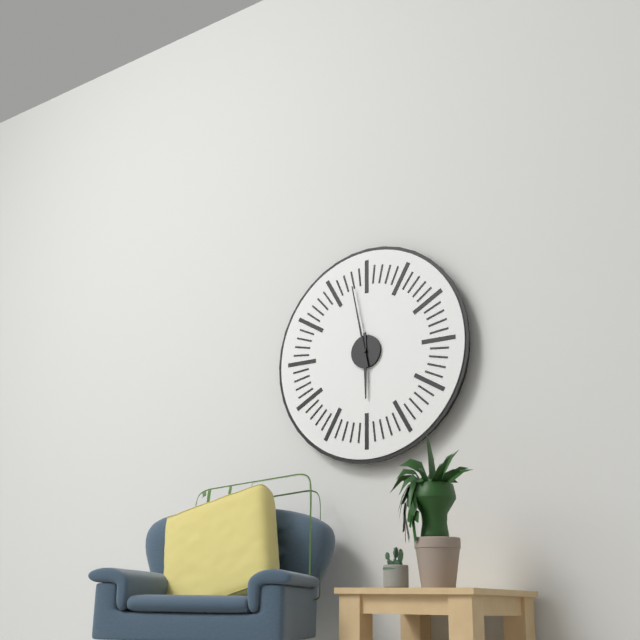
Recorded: **5:58**
